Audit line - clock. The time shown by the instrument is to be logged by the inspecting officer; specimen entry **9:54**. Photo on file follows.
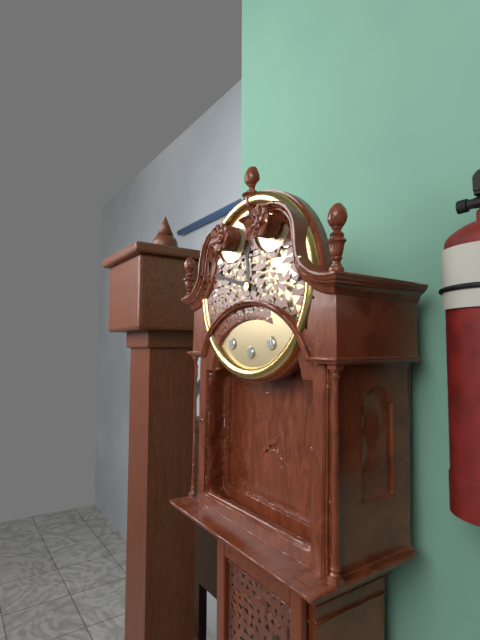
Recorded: **11:48**
